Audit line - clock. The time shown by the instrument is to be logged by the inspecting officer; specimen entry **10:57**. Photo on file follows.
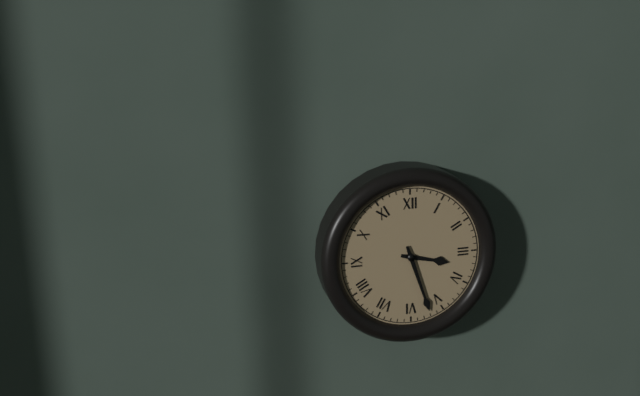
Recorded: **3:27**
